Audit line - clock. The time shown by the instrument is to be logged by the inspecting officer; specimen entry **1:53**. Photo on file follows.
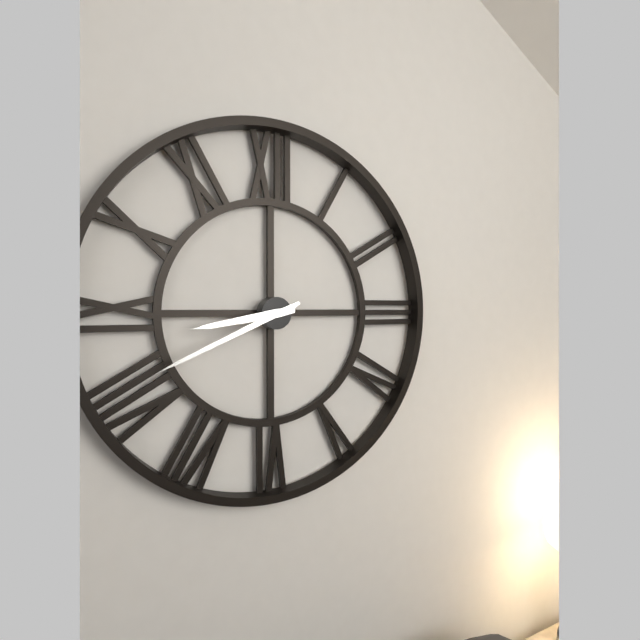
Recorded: **8:41**
